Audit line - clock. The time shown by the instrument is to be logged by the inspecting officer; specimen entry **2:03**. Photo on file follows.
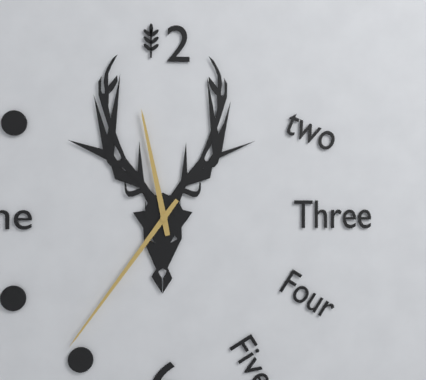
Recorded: **11:36**
